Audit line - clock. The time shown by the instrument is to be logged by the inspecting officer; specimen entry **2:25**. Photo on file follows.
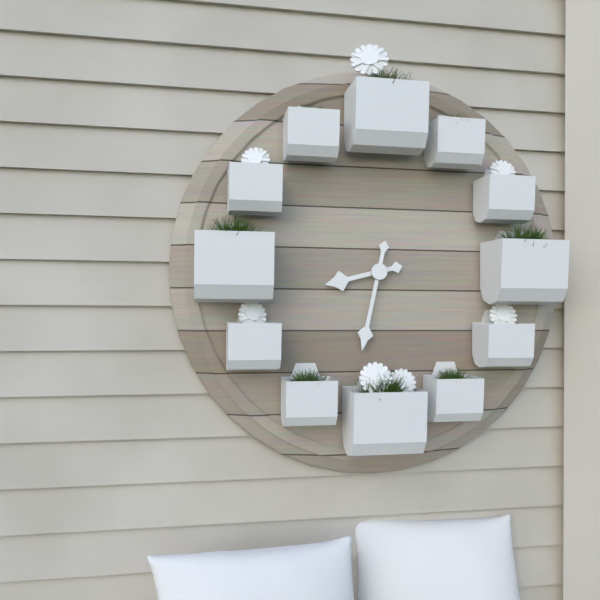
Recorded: **8:32**
